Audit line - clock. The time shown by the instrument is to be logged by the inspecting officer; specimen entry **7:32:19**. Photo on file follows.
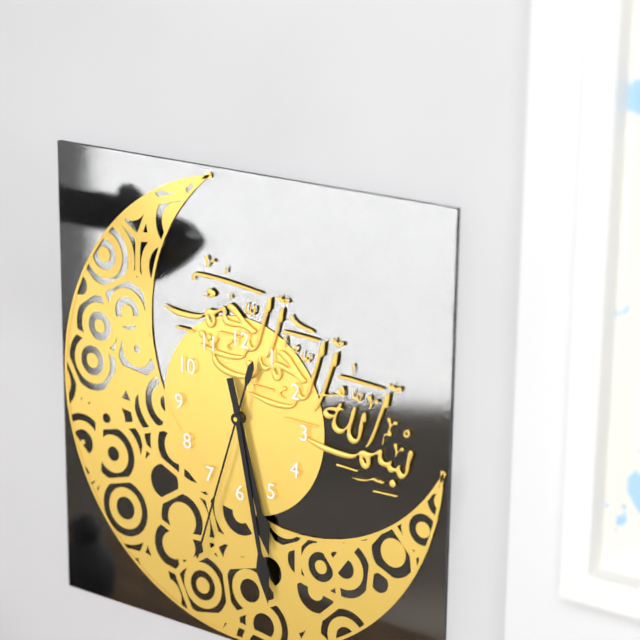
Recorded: **5:28:33**
